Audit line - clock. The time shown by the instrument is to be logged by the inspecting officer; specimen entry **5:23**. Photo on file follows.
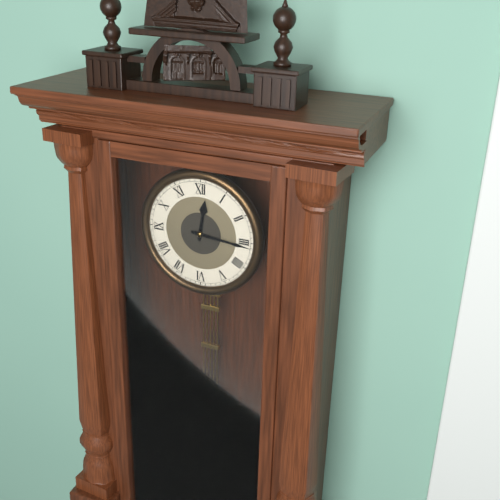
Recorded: **12:16**
